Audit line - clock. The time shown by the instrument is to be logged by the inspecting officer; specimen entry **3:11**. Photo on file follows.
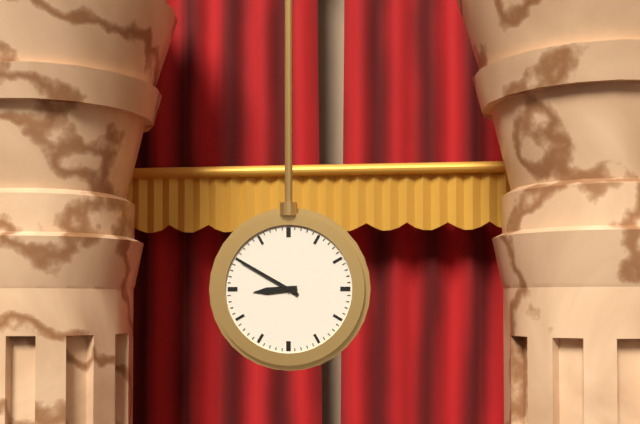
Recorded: **8:50**
